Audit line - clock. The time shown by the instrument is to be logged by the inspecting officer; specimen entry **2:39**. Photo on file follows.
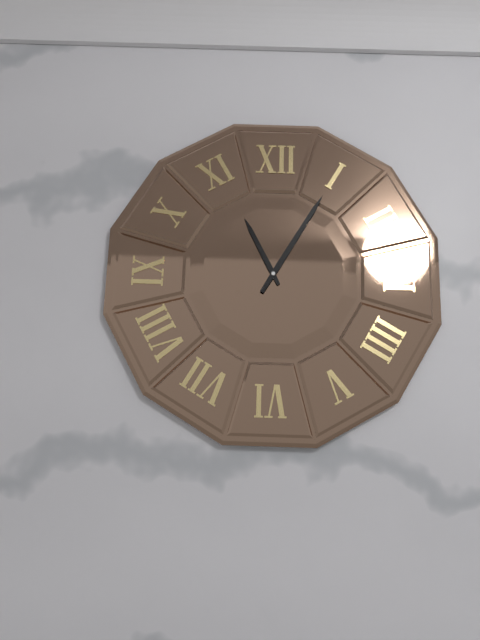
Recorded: **11:05**
